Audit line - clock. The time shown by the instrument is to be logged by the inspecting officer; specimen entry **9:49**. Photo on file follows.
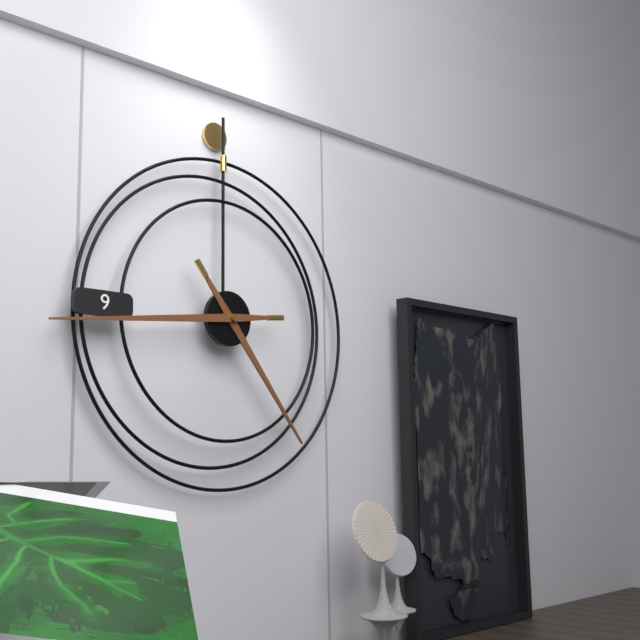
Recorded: **4:44**
